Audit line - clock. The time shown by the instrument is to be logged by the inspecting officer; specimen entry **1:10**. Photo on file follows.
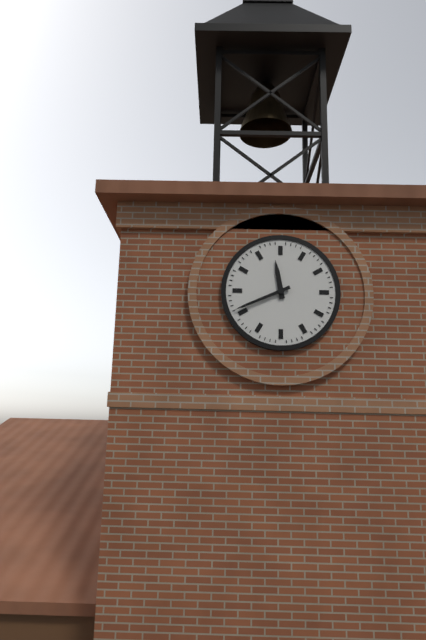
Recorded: **11:41**
